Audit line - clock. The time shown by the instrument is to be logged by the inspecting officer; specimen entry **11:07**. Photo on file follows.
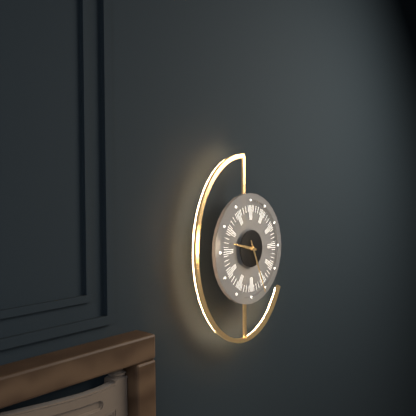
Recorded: **9:26**
